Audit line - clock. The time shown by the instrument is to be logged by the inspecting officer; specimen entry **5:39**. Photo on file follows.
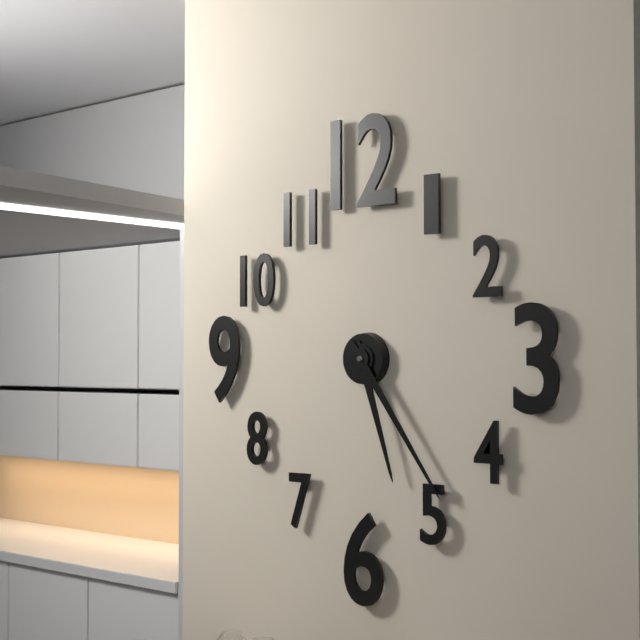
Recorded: **5:24**
